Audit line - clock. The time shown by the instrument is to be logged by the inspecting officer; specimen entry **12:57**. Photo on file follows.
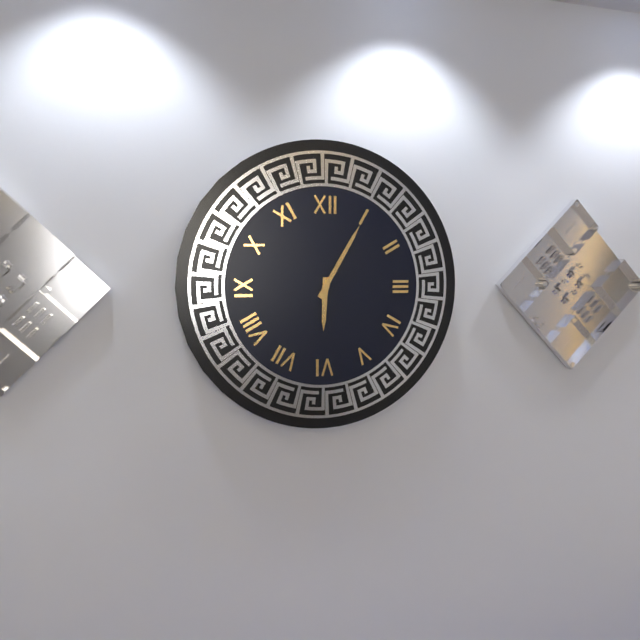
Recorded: **6:05**
